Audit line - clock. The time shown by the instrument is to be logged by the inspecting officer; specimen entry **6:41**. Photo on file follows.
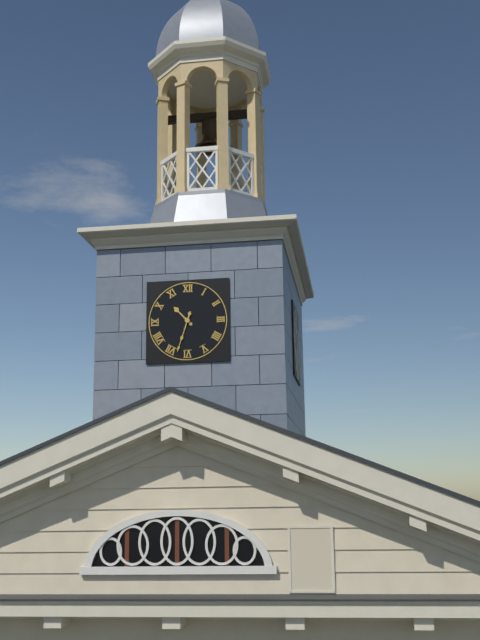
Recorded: **10:33**
